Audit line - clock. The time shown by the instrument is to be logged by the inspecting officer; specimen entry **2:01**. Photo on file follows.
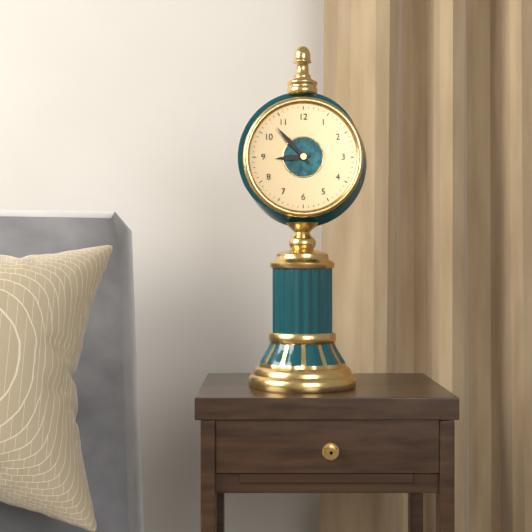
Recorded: **8:53**
